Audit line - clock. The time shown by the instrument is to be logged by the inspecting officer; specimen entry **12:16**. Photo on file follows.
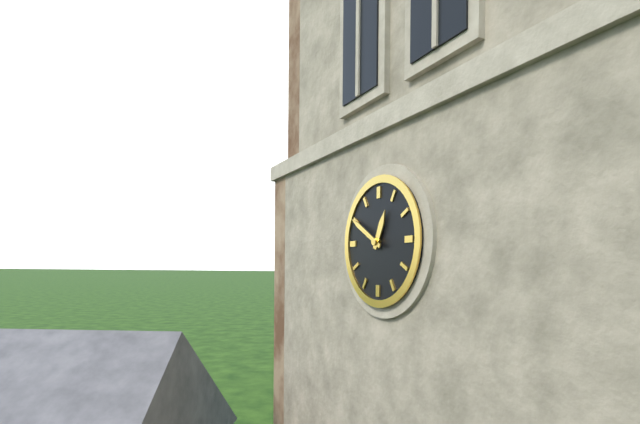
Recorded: **12:50**
